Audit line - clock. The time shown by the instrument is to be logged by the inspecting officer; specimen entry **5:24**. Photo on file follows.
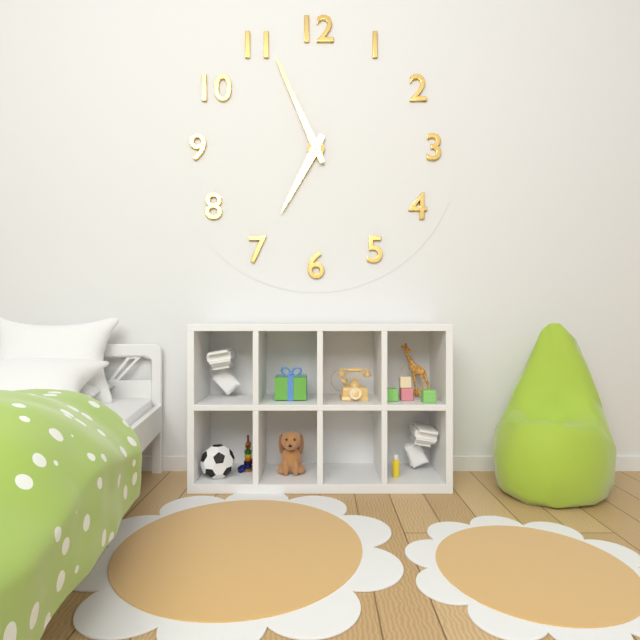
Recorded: **6:56**
